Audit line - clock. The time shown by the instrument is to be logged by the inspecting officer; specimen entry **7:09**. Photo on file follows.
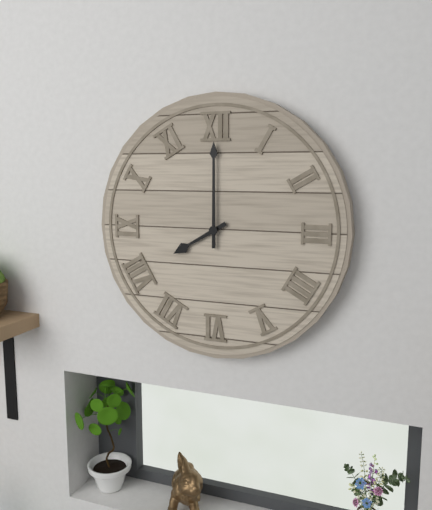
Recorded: **8:00**
